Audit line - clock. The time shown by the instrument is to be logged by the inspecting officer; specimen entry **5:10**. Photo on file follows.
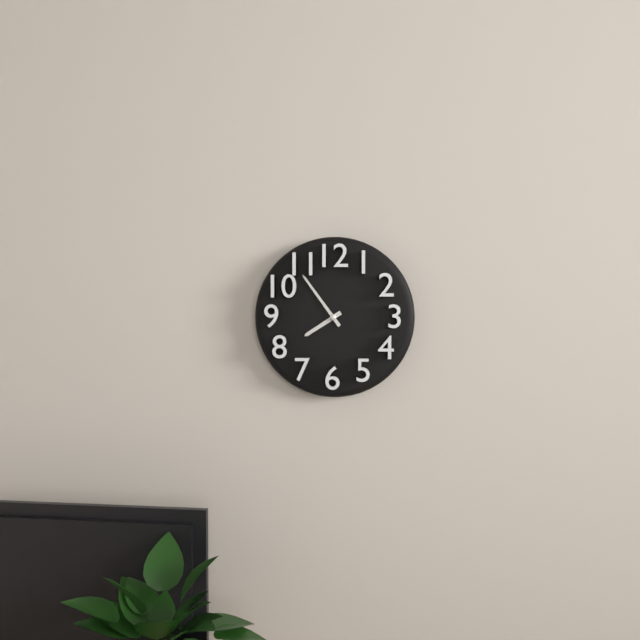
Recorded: **7:54**
